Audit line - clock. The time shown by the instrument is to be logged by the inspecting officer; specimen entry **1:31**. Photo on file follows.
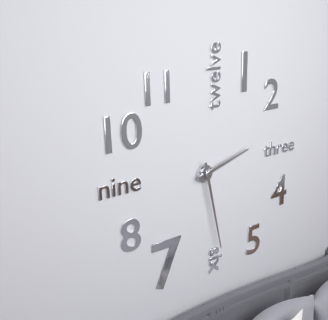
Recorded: **2:28**
